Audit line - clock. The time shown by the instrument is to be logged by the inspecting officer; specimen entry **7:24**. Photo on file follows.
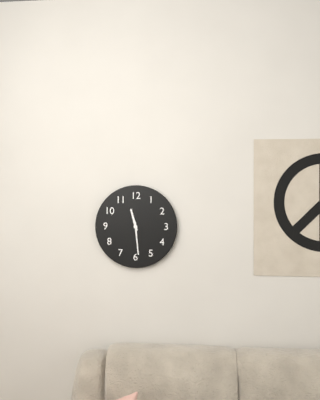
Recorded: **11:29**
